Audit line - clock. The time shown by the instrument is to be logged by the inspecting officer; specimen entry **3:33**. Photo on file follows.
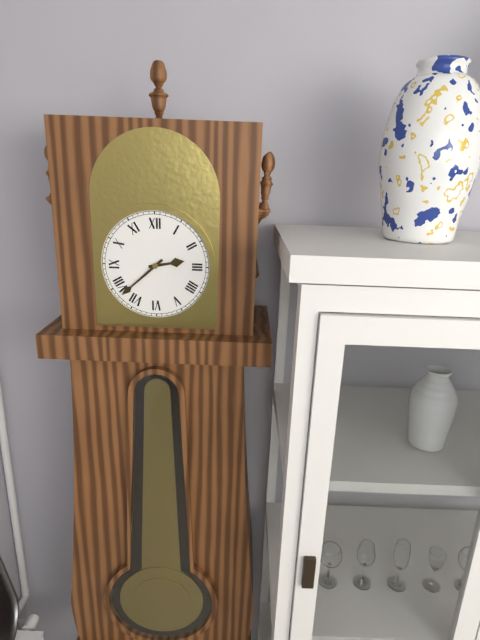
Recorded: **2:38**
